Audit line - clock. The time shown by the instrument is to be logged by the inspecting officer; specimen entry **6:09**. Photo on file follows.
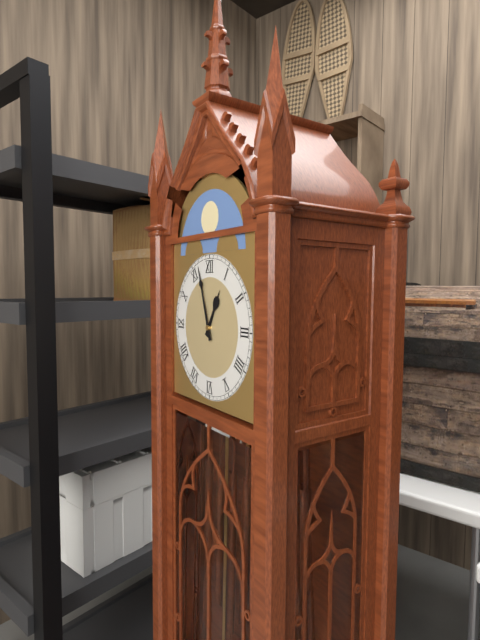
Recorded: **12:57**
